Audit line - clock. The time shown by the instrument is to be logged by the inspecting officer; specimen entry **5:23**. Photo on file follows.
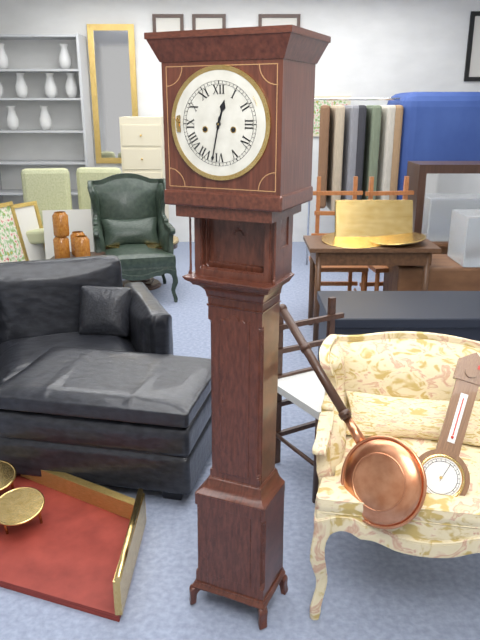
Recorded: **12:32**
